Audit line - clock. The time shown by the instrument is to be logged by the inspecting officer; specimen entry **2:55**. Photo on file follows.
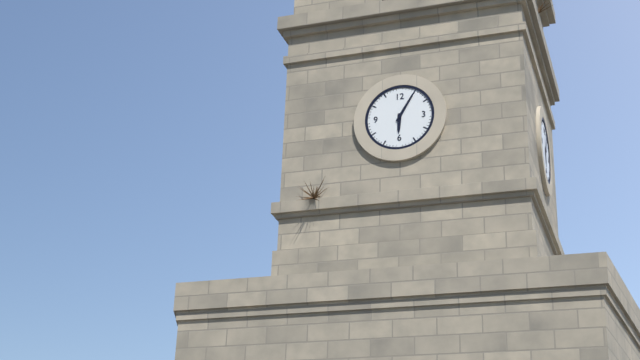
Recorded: **6:05**
